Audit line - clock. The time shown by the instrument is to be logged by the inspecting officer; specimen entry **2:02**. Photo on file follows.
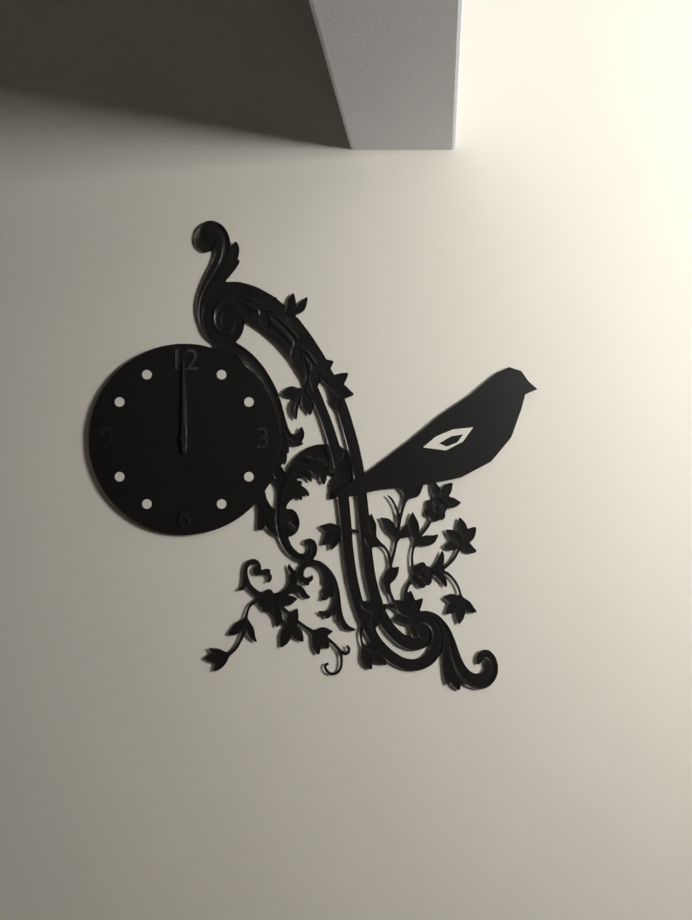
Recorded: **12:00**
